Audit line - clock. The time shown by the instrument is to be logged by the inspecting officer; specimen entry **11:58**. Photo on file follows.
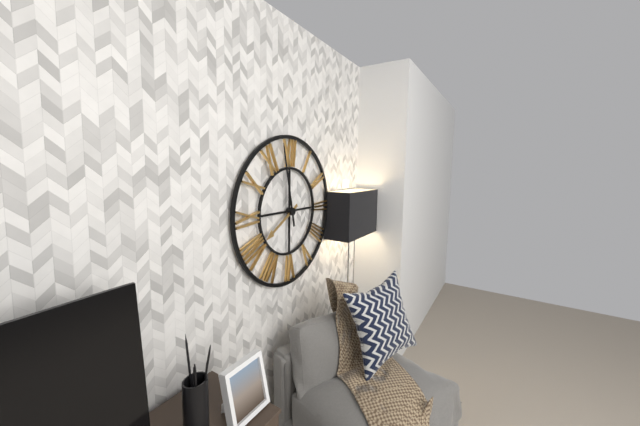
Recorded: **7:58**
